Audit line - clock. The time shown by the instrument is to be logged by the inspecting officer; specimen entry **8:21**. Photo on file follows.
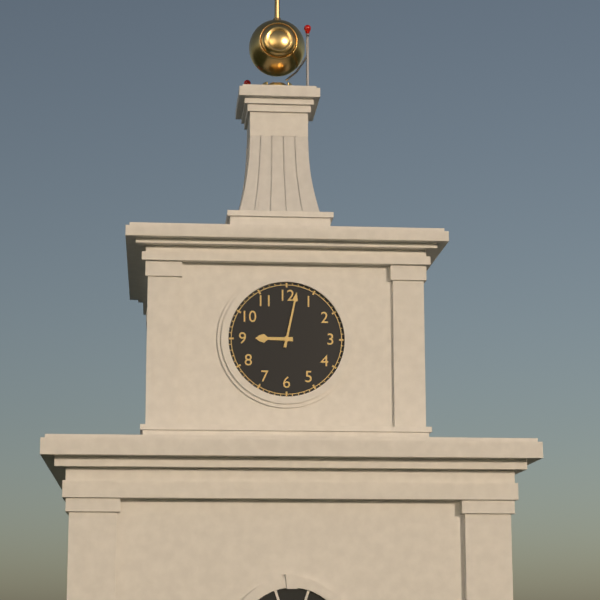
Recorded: **9:02**
